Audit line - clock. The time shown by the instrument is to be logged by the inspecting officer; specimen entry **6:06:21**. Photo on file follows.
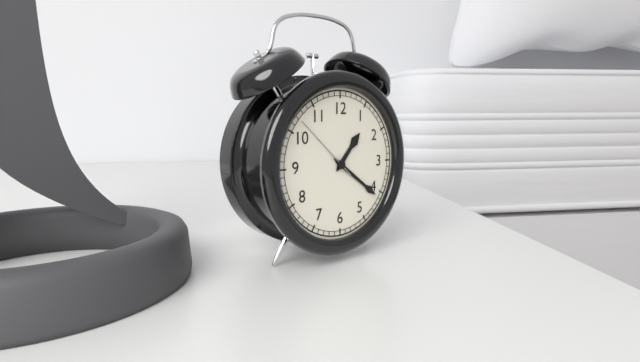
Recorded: **1:21:52**
